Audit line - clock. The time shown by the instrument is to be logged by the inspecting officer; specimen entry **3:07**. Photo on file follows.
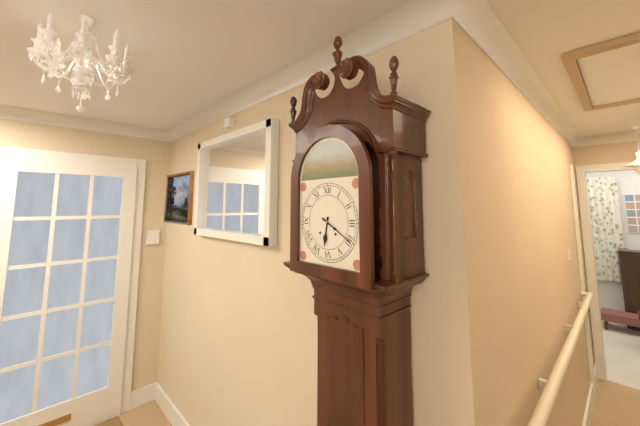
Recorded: **6:20**
